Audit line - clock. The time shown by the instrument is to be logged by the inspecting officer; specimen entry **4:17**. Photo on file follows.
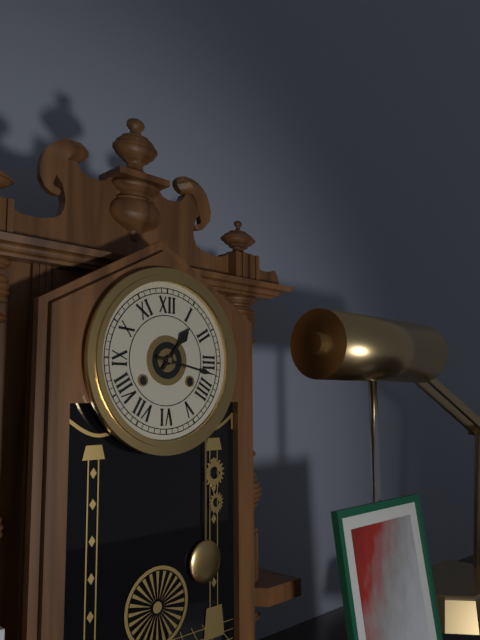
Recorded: **1:17**
